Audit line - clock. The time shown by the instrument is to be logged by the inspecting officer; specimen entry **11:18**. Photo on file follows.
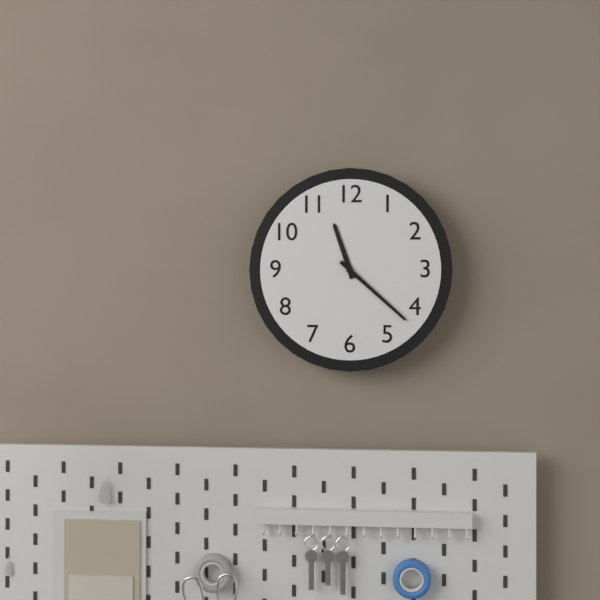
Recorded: **11:22**
